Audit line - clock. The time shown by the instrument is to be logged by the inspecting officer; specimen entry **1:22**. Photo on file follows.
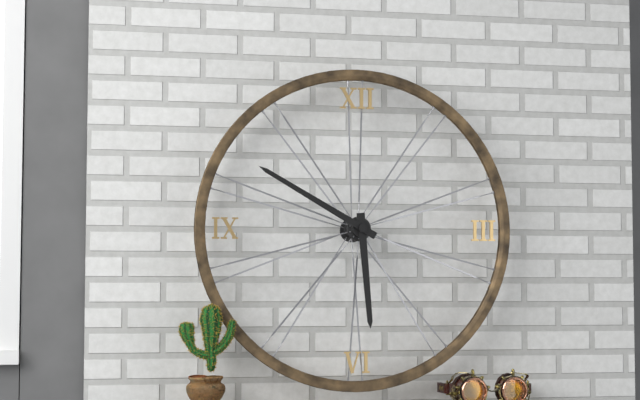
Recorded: **5:50**
